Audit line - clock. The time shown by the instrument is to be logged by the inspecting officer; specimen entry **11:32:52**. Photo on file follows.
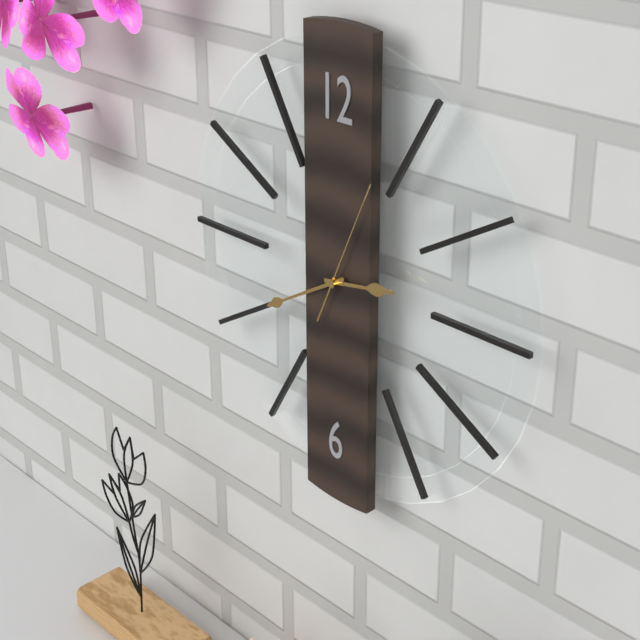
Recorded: **2:40:04**
